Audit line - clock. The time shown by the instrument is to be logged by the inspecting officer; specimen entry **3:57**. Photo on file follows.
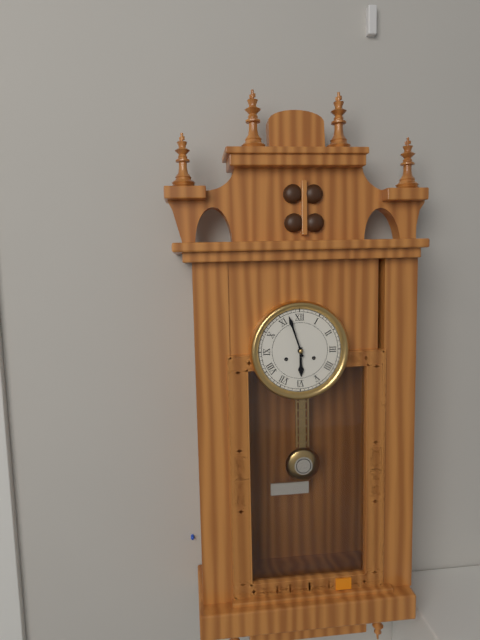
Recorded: **5:57**
